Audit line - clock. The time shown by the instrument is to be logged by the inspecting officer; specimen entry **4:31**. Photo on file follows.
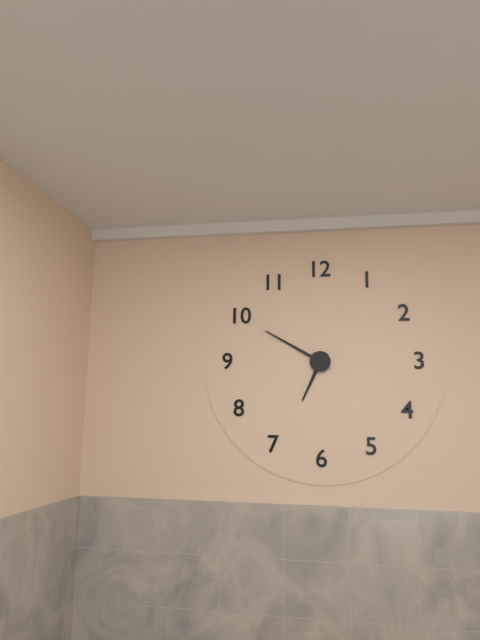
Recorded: **6:50**
